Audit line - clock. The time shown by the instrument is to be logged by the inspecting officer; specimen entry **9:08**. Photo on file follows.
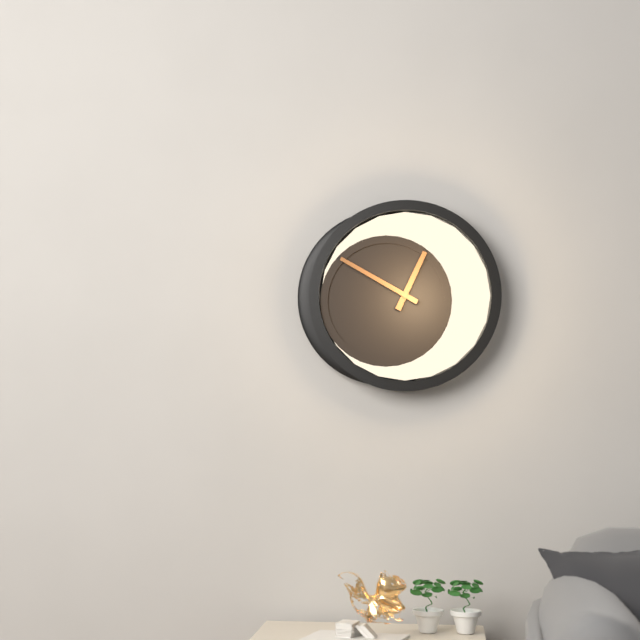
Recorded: **12:50**
